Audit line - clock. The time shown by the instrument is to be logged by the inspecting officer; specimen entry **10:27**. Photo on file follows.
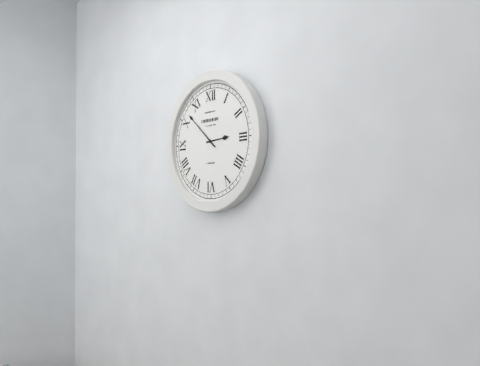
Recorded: **2:52**
